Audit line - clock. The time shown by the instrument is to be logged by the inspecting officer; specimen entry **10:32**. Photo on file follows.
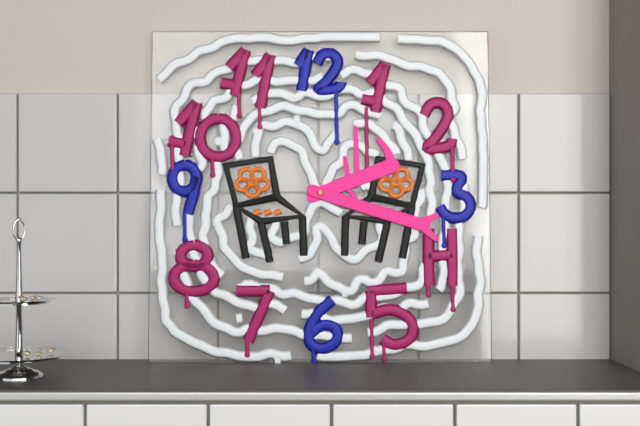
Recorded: **2:18**
